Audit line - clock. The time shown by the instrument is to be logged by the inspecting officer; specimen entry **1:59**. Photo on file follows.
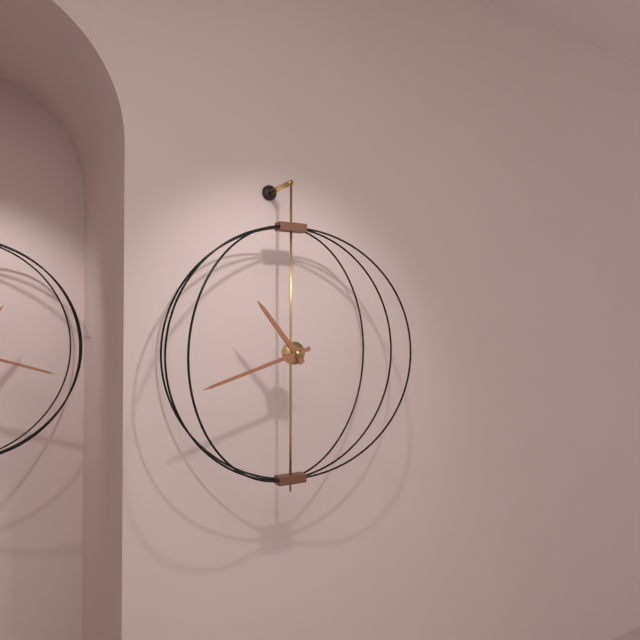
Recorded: **10:42**
